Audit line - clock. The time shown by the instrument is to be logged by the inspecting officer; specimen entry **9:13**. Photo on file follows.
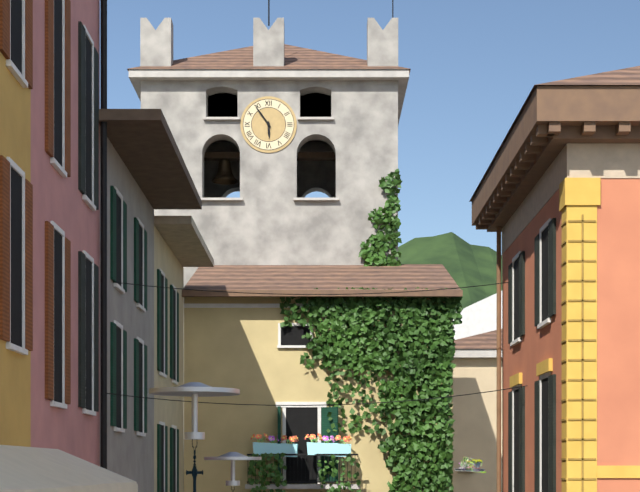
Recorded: **5:54**
